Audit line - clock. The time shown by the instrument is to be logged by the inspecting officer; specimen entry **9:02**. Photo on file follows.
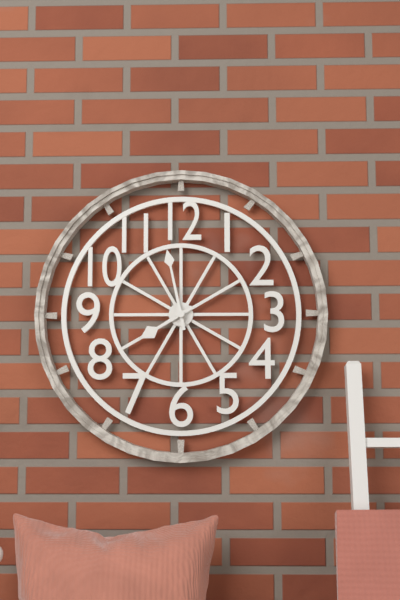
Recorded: **7:58**
